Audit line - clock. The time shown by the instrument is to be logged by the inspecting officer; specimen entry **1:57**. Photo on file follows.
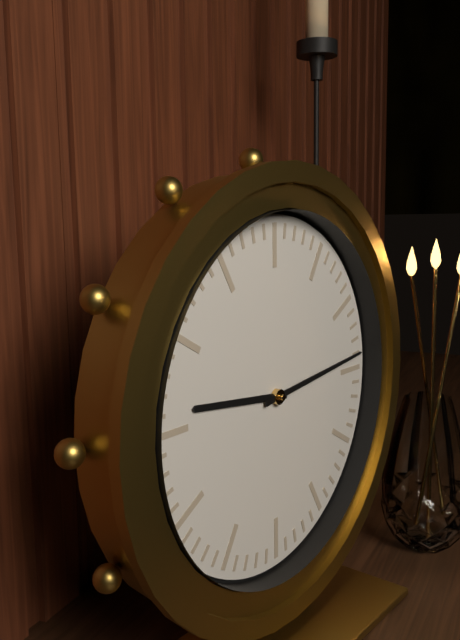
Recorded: **9:14**
